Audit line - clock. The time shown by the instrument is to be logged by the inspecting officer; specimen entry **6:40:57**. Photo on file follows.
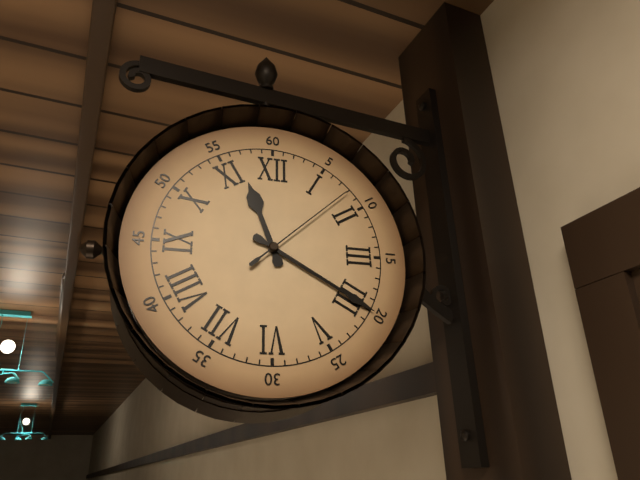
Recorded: **11:20:08**
